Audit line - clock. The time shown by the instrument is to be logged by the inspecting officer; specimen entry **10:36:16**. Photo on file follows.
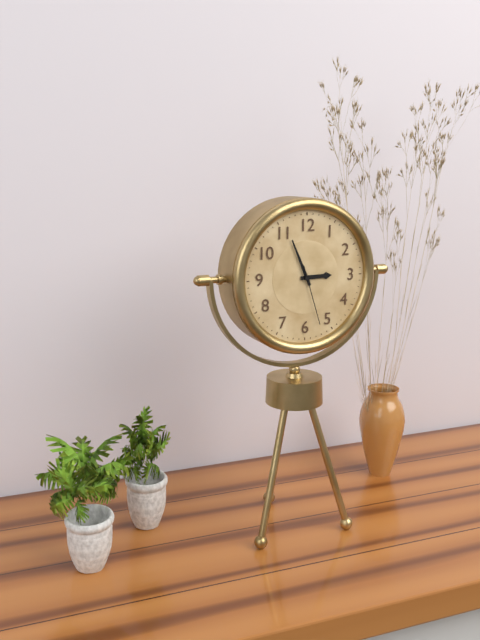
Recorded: **2:56:27**
